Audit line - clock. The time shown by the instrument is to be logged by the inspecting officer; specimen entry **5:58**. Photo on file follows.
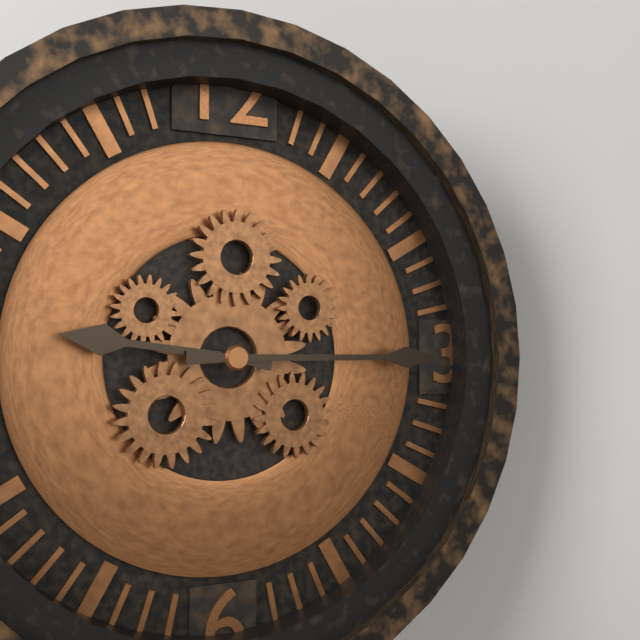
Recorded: **9:15**
